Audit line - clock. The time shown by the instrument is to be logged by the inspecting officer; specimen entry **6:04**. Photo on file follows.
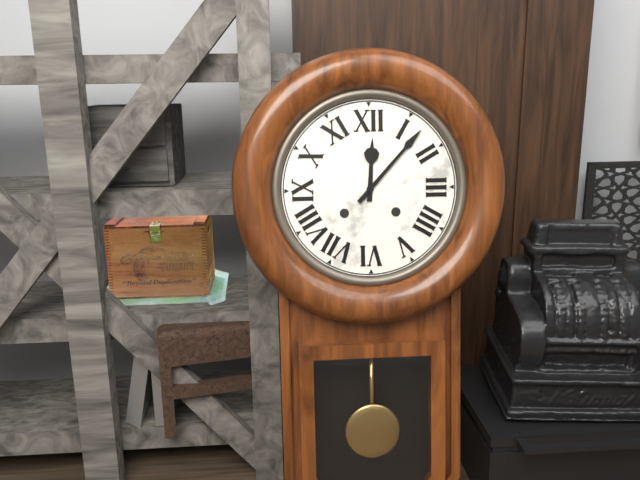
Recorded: **12:07**
